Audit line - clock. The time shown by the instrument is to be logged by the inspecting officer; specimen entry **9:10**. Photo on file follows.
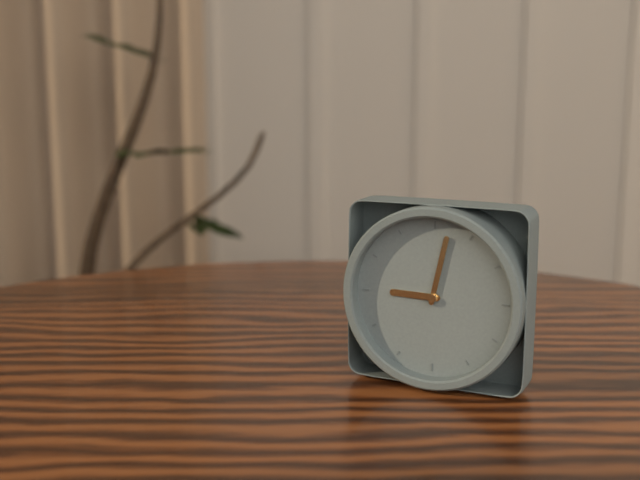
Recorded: **9:02**
